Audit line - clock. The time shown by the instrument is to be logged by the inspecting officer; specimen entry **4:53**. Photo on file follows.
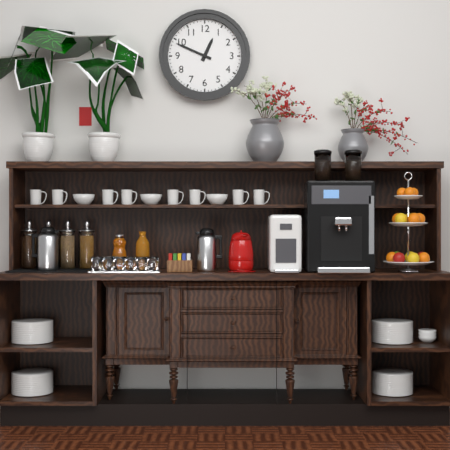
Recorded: **12:49**
